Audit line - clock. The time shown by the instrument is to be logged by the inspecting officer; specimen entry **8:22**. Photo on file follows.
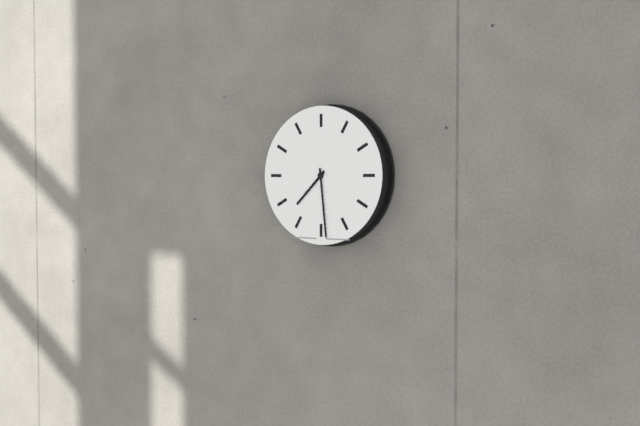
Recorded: **7:29**
